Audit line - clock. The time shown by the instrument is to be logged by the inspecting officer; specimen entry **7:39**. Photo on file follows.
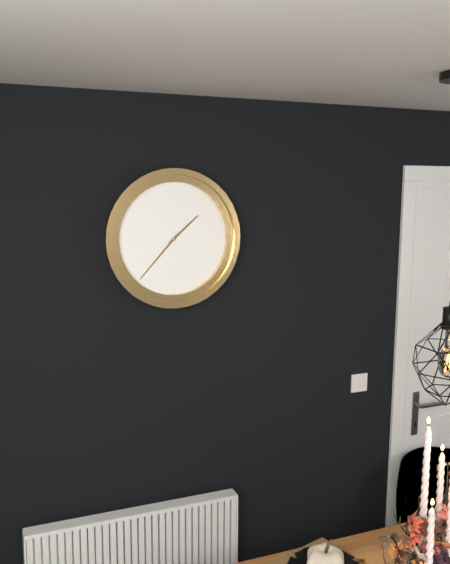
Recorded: **1:37**
